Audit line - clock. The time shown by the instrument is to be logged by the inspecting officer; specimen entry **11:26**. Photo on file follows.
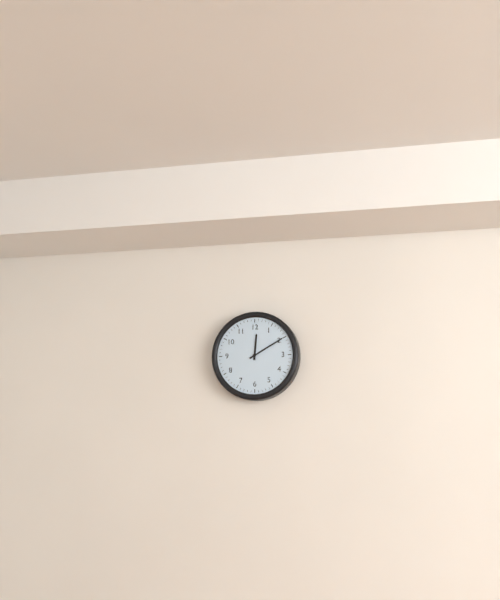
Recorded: **12:10**
